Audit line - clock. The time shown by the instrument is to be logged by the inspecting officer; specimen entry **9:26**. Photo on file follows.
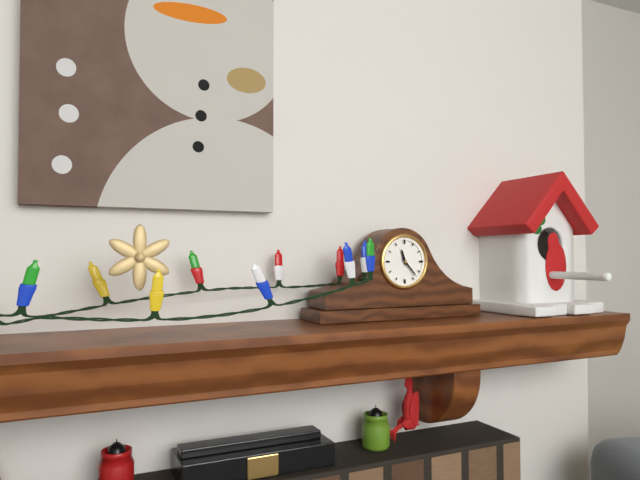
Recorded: **11:23**
